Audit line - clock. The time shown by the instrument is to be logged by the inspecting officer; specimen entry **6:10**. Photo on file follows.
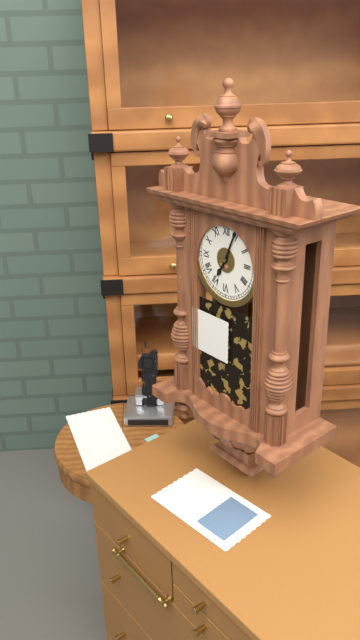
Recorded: **7:04**
